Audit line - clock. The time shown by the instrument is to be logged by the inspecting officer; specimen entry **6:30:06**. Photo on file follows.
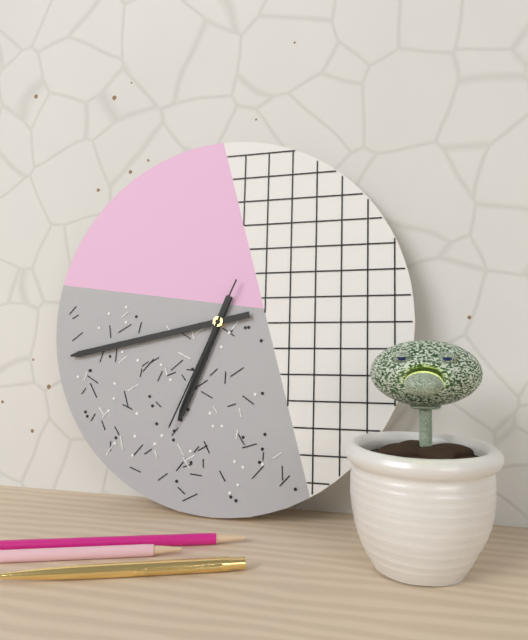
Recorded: **6:43:34**
